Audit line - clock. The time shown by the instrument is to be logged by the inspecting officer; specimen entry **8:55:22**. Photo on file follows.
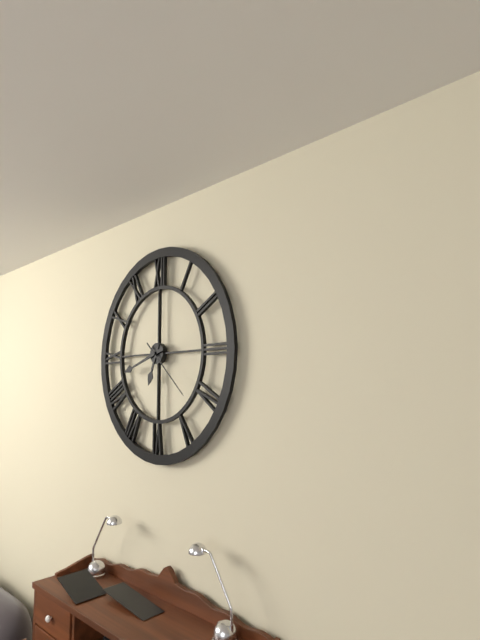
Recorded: **6:42:22**
